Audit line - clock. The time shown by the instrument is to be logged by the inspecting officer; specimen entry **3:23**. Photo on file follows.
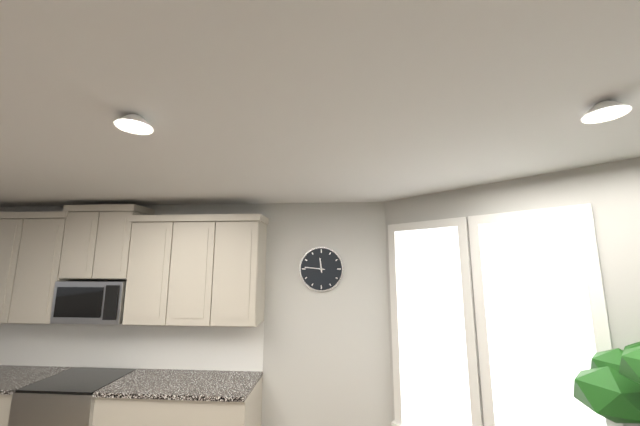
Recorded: **11:46**
